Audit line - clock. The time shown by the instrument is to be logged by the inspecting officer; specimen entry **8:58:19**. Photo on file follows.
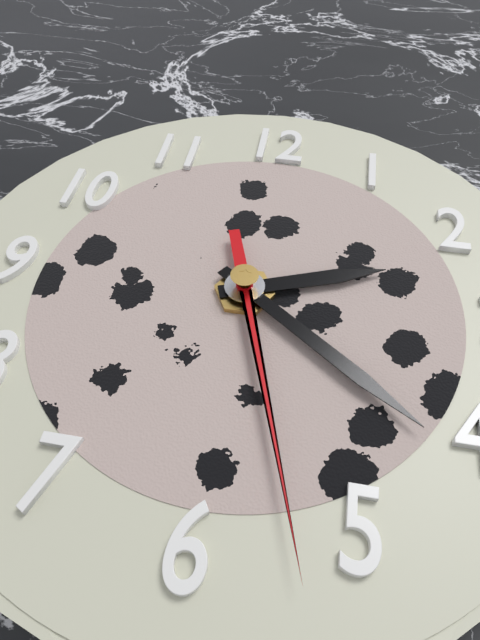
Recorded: **2:21:27**
